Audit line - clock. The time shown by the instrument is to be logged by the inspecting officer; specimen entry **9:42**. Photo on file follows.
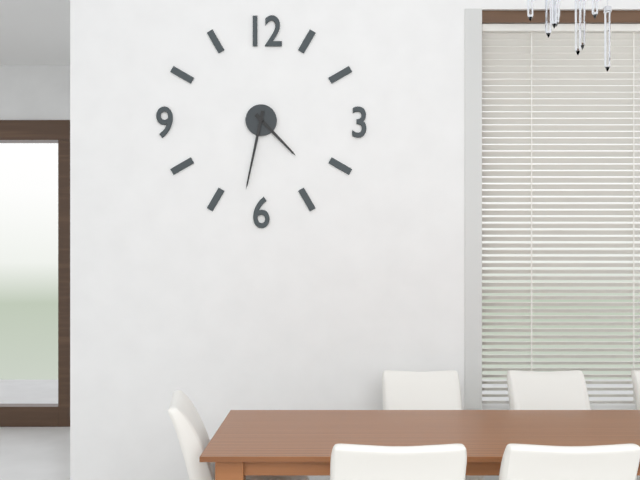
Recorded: **4:32**
